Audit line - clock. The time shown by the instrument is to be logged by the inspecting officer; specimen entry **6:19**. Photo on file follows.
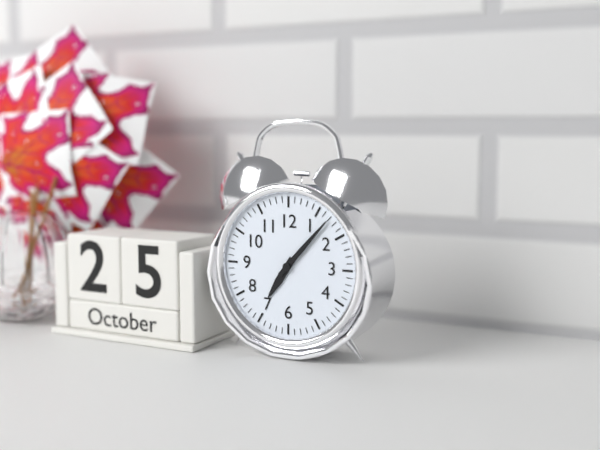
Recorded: **7:07**
